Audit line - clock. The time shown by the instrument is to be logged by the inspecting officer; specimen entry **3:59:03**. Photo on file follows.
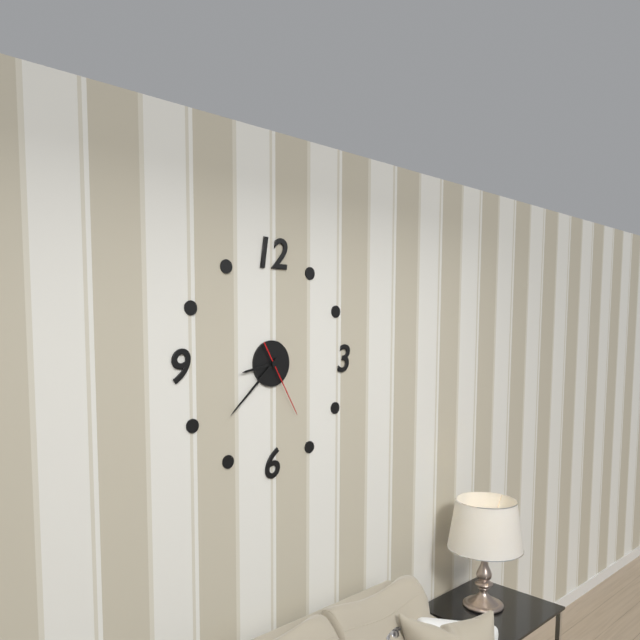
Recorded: **8:38:25**
